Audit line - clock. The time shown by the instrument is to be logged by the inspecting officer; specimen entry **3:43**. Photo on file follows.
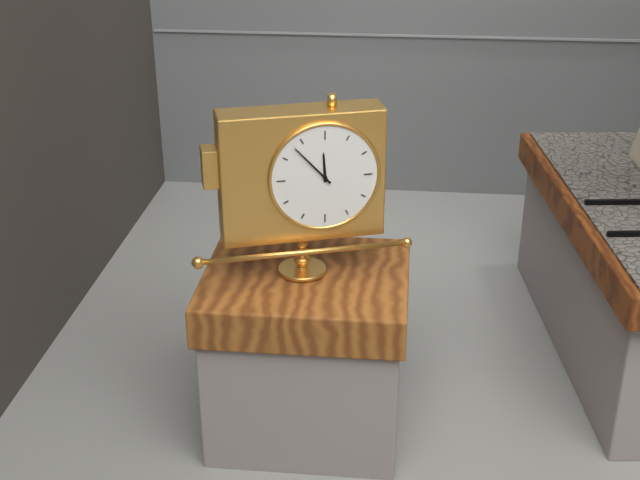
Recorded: **11:53**
